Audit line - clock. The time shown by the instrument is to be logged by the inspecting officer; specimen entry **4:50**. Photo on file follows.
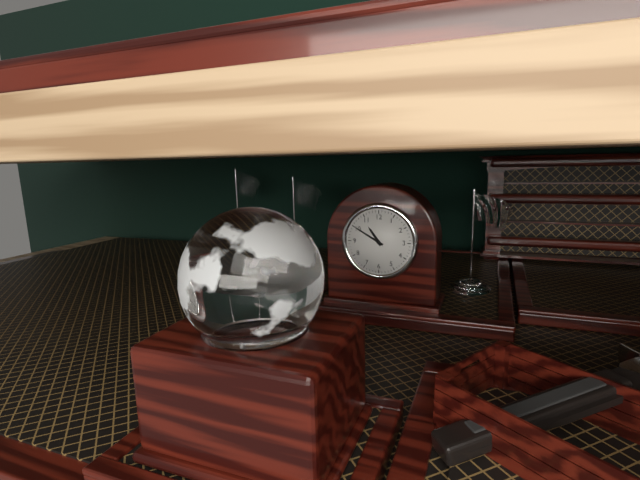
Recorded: **10:50**
